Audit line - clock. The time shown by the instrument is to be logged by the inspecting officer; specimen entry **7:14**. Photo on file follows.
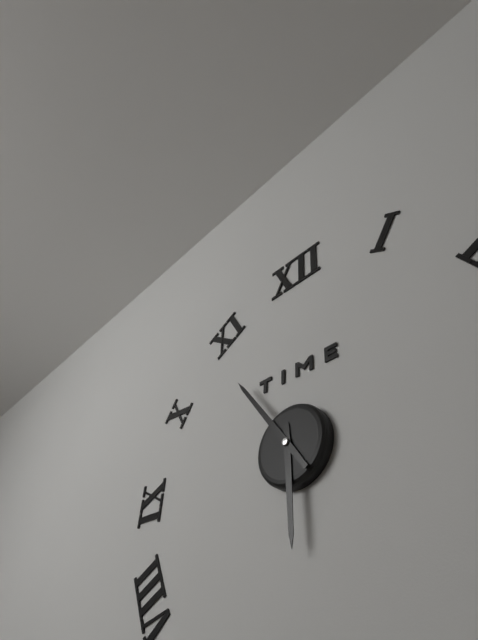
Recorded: **5:54**
